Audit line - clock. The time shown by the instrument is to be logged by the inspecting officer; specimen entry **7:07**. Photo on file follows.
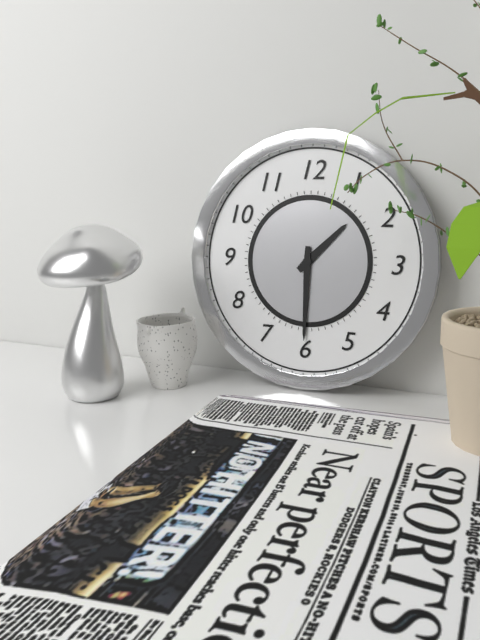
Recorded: **1:30**
